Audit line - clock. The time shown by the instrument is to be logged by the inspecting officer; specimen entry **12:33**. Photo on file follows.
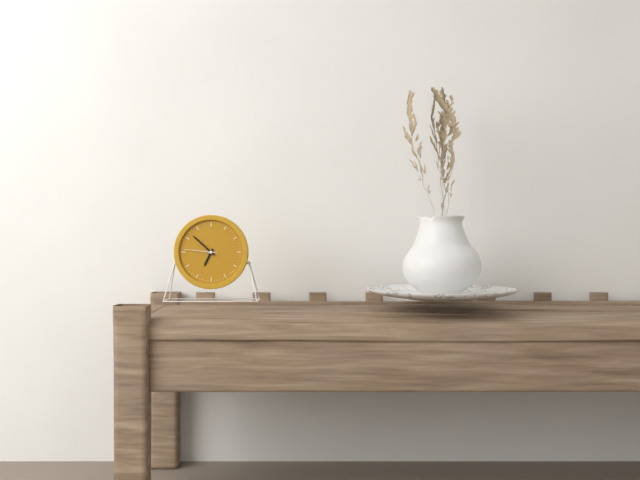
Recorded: **6:52**
